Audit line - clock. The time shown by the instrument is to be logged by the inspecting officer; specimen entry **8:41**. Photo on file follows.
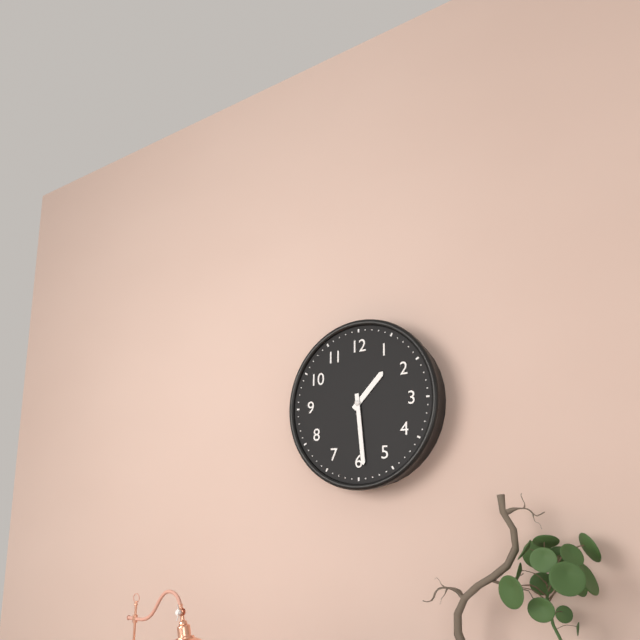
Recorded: **1:29**
